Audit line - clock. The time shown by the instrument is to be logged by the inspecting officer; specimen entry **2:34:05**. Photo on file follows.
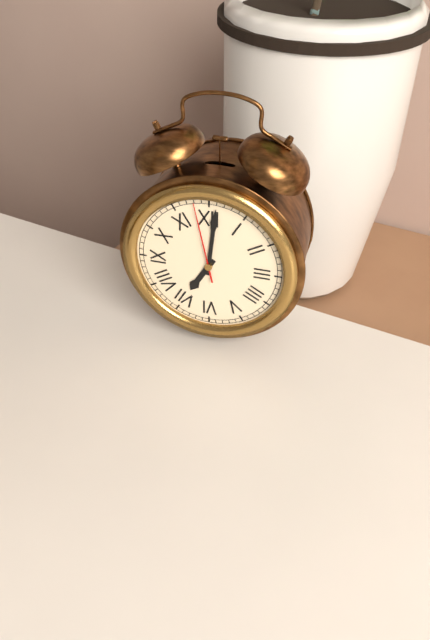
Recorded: **7:01:58**
